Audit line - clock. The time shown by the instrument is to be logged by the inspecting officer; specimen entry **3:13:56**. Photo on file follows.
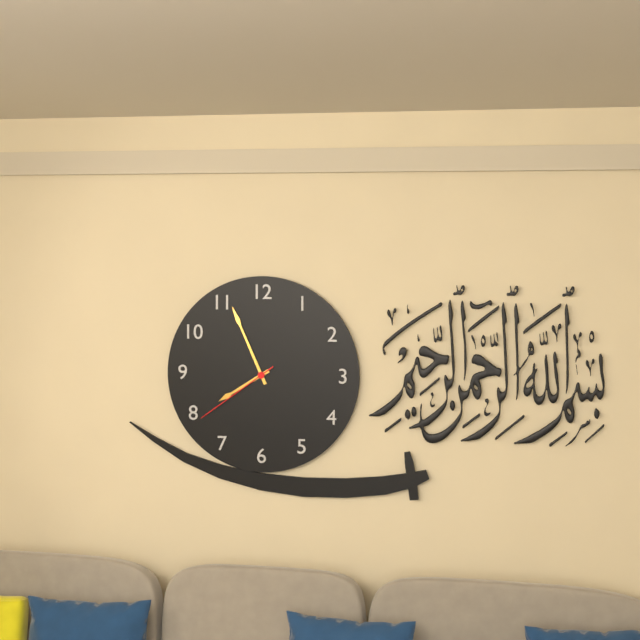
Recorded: **7:56:39**
